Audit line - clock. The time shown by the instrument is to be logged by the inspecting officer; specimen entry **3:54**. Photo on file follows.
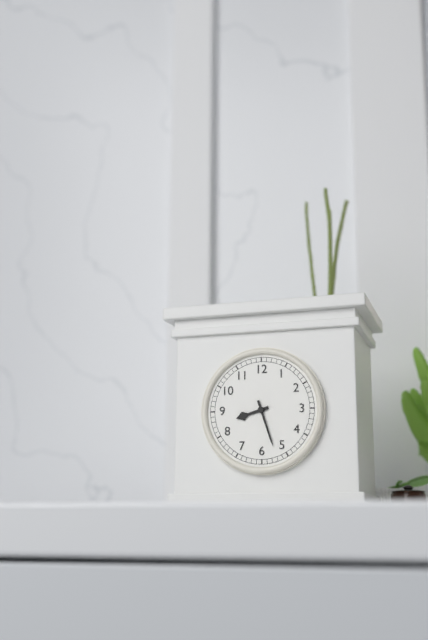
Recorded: **8:27**
